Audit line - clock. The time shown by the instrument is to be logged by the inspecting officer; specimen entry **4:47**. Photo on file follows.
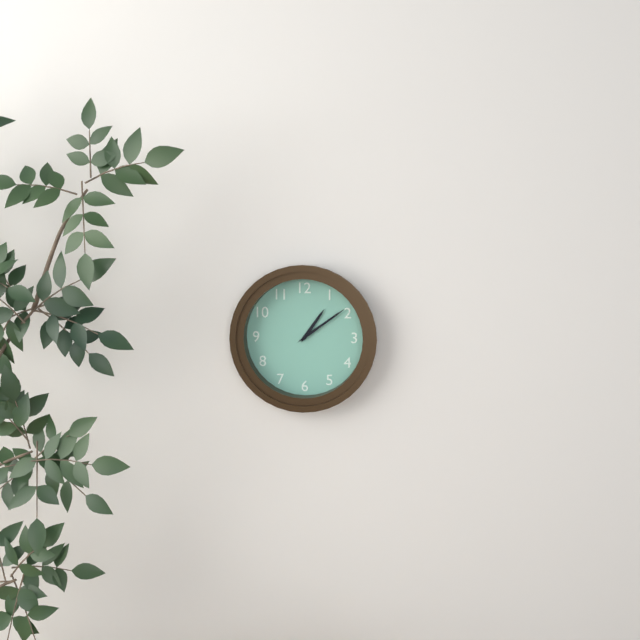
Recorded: **1:09**
